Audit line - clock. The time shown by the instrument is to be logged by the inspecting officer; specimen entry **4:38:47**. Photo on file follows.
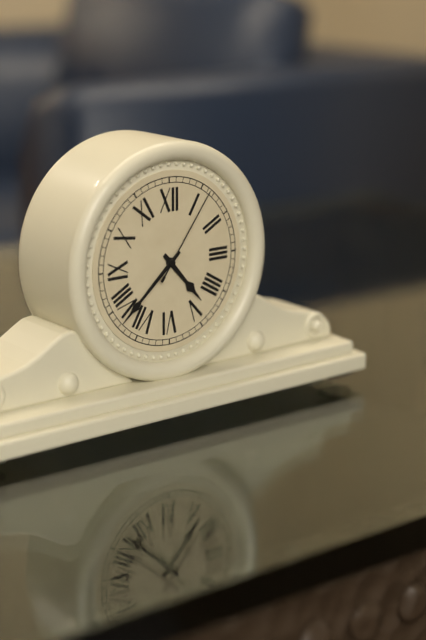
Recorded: **4:38:06**
